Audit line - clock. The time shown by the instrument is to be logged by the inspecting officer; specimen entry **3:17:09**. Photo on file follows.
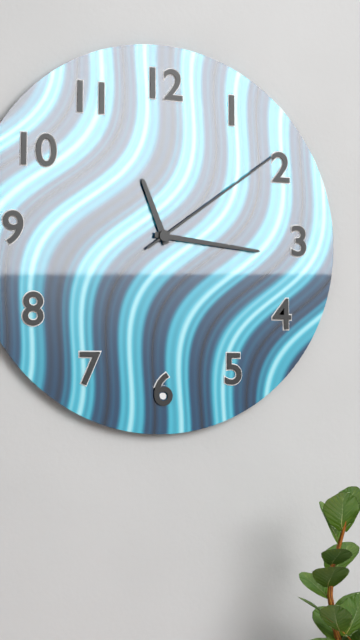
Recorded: **11:16:09**
